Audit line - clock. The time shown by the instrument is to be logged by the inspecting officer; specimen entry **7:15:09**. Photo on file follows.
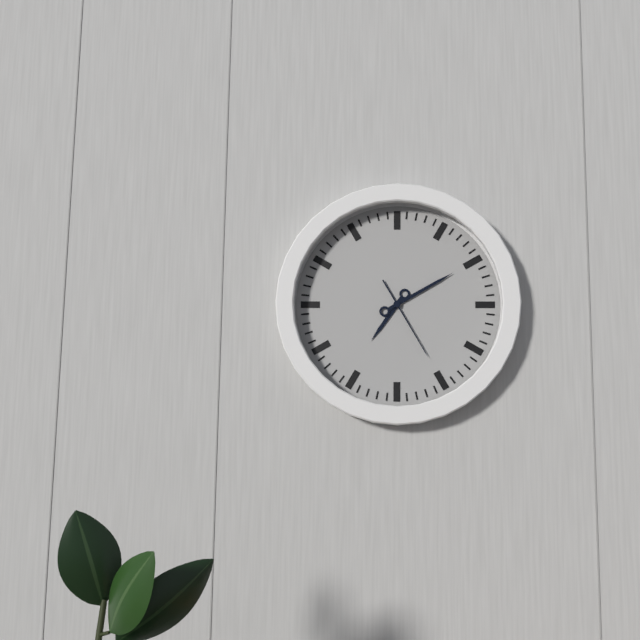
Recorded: **7:10:25**
